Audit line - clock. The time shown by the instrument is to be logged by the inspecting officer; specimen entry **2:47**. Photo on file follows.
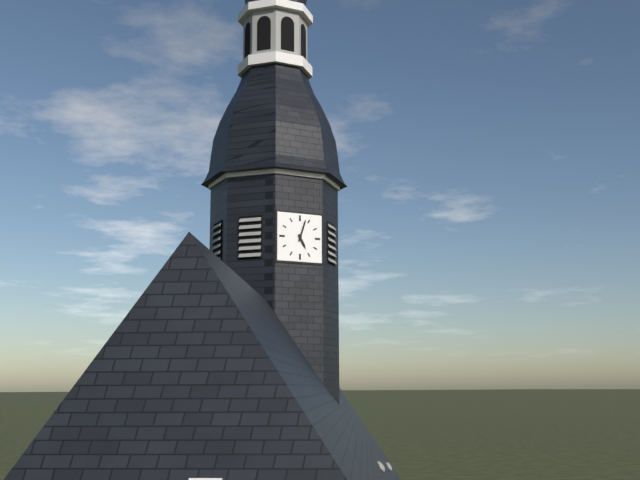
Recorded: **5:03**
